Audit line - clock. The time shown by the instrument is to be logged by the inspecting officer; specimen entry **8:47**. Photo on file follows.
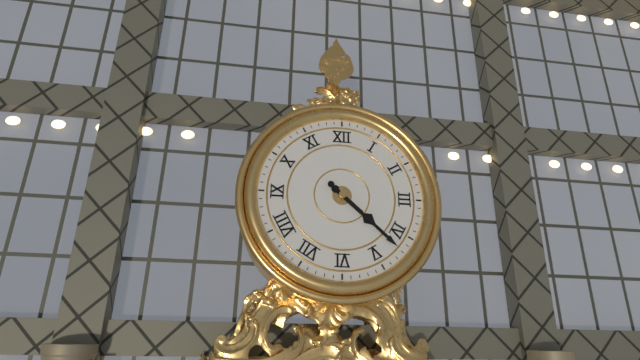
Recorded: **4:22**
